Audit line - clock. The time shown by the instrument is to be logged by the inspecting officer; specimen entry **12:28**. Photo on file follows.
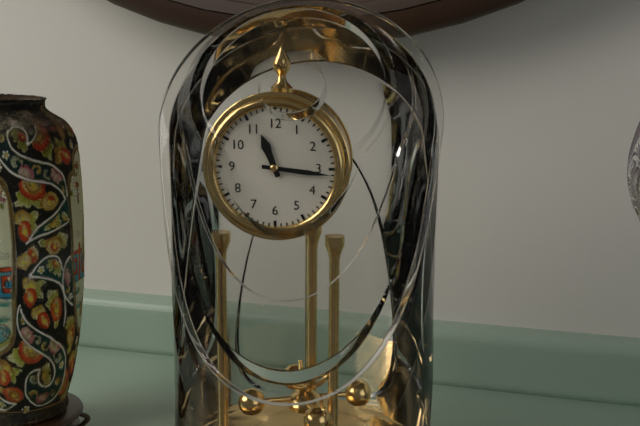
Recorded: **11:16**
